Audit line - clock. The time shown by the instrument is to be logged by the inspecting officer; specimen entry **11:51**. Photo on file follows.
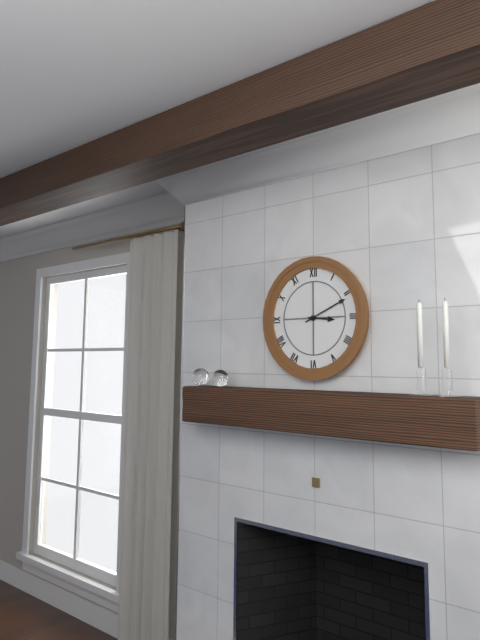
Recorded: **3:11**
